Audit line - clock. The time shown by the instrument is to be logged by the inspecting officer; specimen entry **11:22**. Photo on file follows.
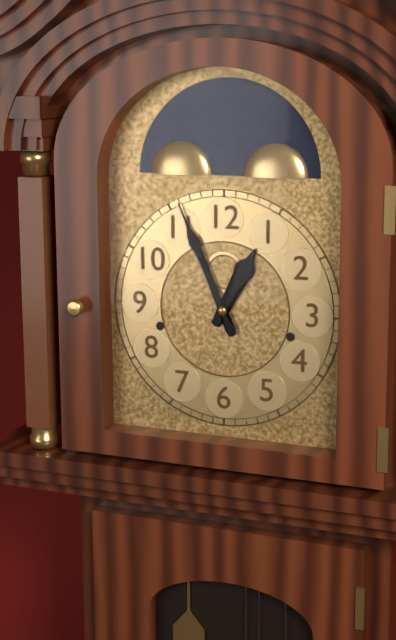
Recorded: **12:56**
